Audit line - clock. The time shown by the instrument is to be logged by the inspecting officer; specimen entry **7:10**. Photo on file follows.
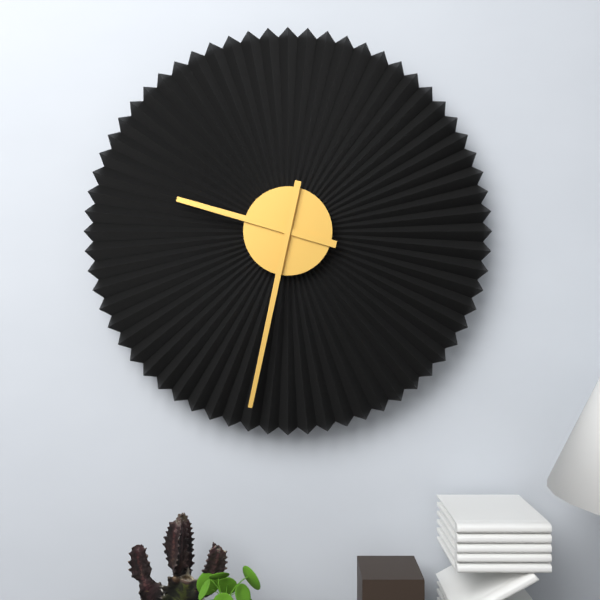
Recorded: **9:32**
